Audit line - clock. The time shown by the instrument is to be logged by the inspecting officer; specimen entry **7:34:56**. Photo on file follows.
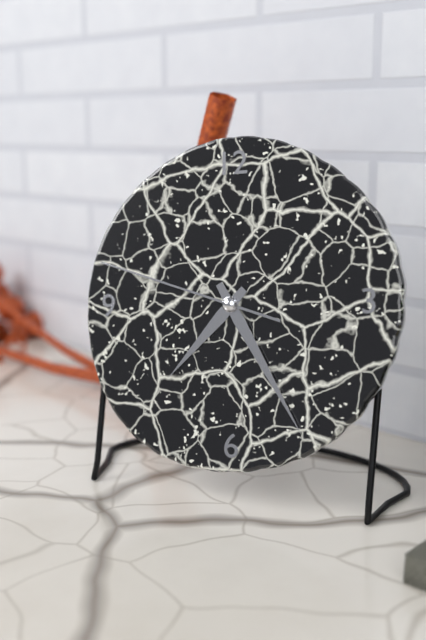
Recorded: **7:25:48**
